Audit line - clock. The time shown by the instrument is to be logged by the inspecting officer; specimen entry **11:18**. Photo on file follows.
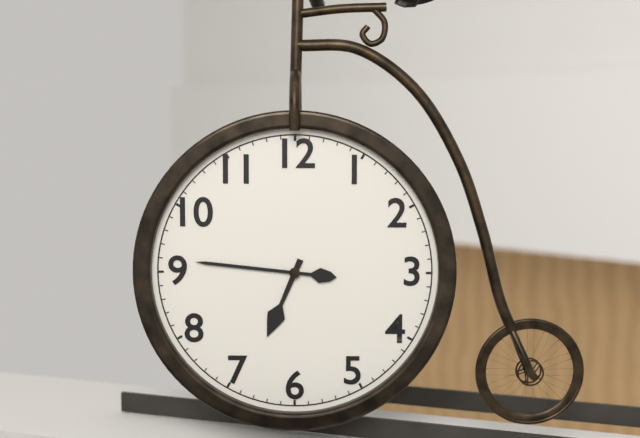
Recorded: **6:46**
